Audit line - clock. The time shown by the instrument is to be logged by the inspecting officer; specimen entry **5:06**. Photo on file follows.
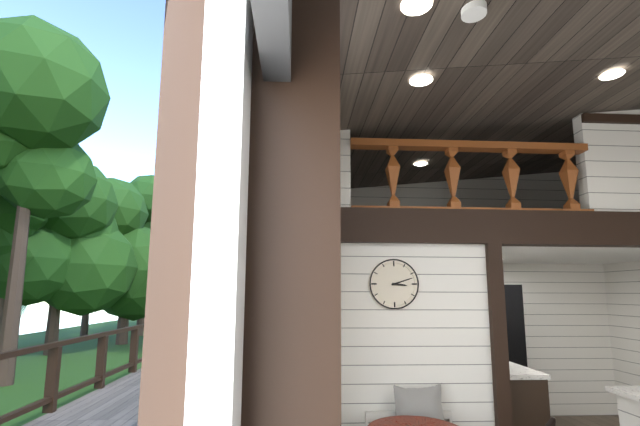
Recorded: **3:12**
